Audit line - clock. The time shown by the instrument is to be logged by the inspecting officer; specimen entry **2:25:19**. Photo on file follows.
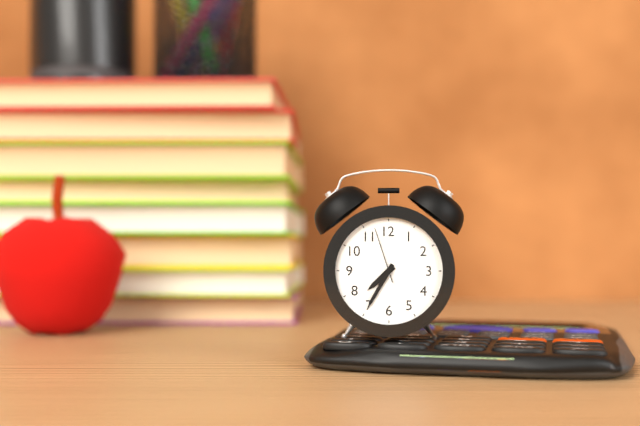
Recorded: **7:35:57**
